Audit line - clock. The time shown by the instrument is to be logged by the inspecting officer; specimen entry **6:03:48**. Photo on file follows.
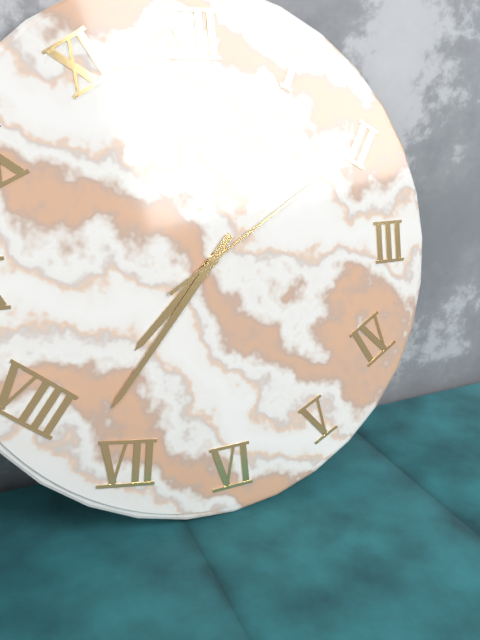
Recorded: **7:37:10**
